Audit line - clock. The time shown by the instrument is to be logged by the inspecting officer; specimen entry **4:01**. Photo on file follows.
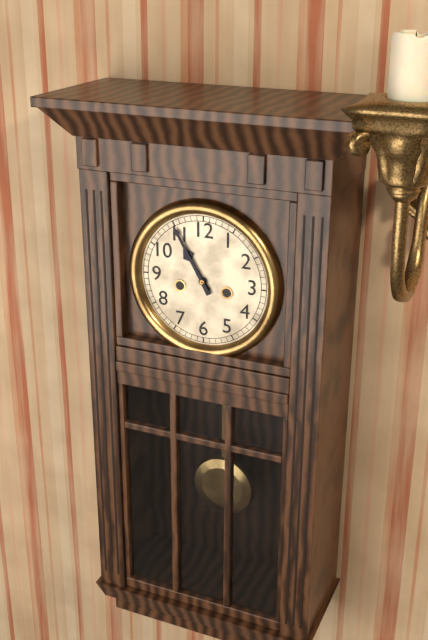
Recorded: **10:55**
